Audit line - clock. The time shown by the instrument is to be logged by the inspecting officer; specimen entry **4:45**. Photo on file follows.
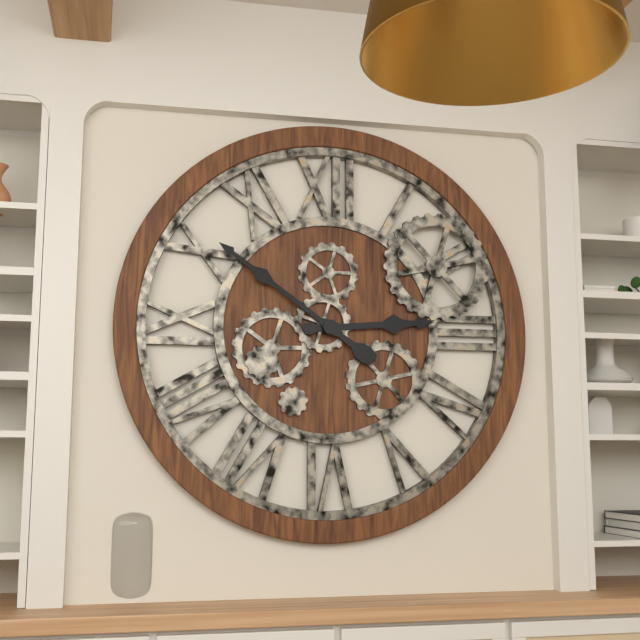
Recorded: **2:51**
